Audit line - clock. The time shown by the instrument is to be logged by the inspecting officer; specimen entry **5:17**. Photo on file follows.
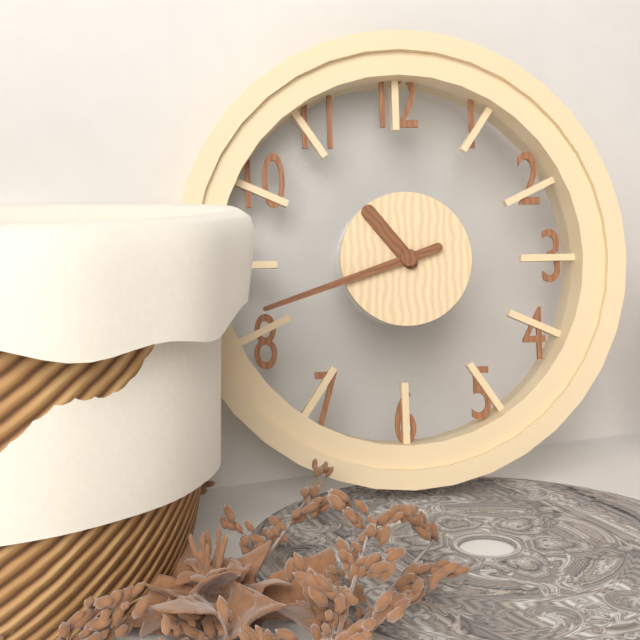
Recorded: **10:42**
